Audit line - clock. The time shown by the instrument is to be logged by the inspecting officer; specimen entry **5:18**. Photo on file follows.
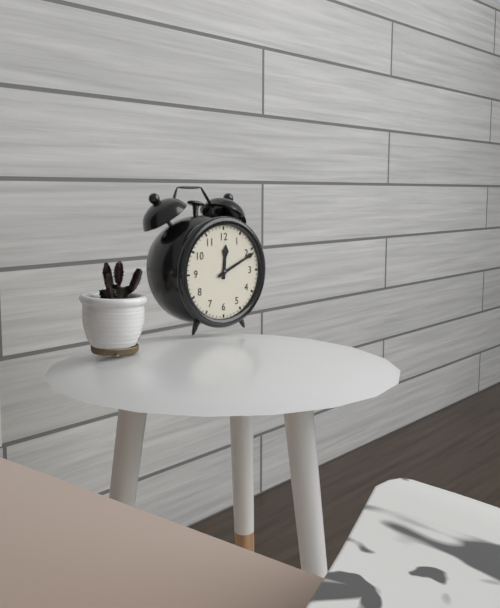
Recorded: **12:11**
